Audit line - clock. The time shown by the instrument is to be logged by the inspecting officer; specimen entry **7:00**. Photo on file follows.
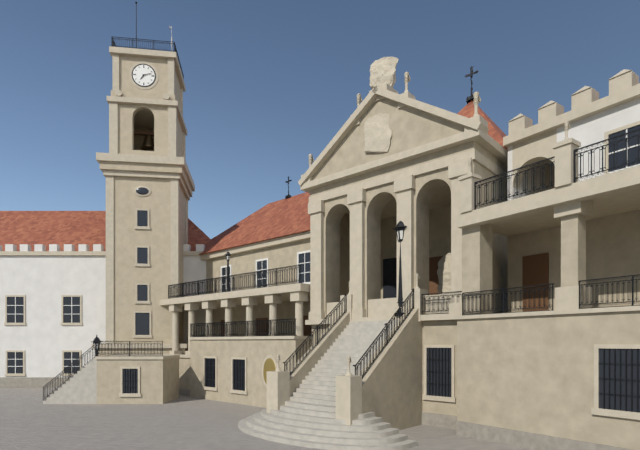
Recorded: **7:12**
